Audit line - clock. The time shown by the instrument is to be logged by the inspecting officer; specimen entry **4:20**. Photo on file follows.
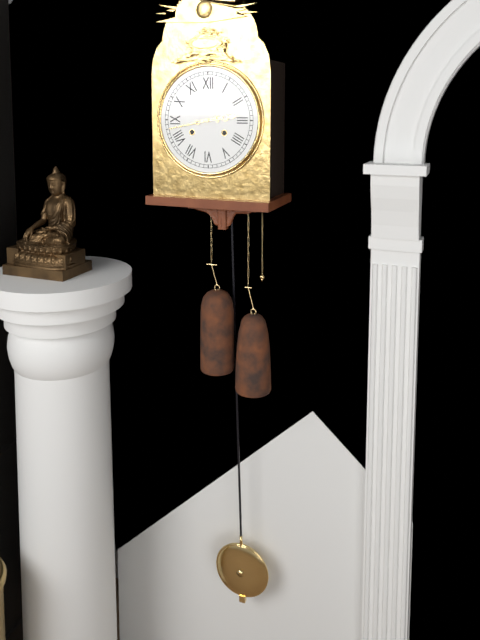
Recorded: **2:43**
